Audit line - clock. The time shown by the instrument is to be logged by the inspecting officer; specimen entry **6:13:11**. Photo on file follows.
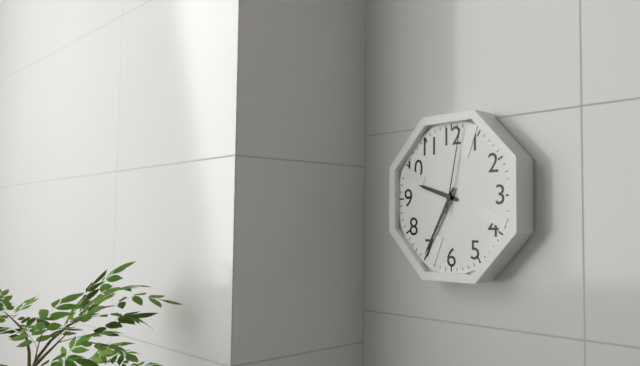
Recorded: **9:35:02**
